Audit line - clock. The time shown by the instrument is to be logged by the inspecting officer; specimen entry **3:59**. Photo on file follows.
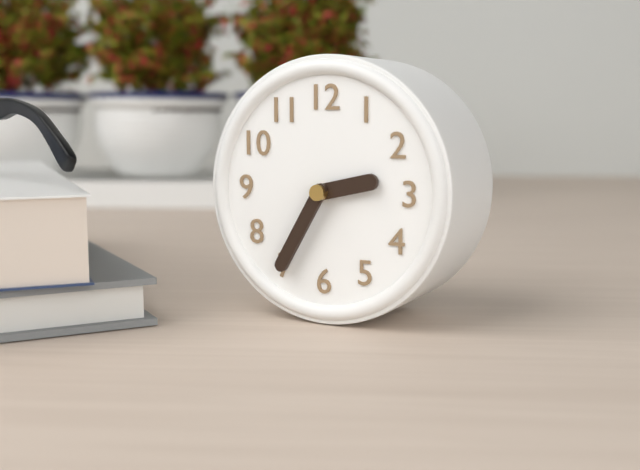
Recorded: **2:35**
